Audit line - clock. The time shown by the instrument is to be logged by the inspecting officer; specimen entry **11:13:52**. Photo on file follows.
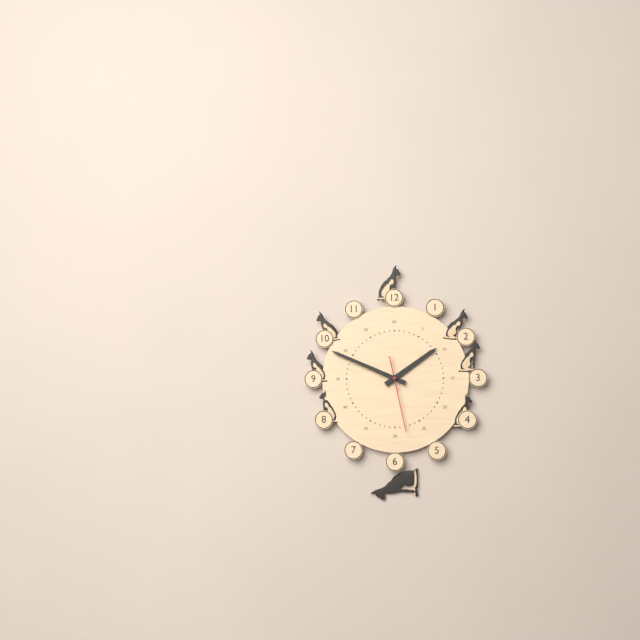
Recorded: **1:49:28**
